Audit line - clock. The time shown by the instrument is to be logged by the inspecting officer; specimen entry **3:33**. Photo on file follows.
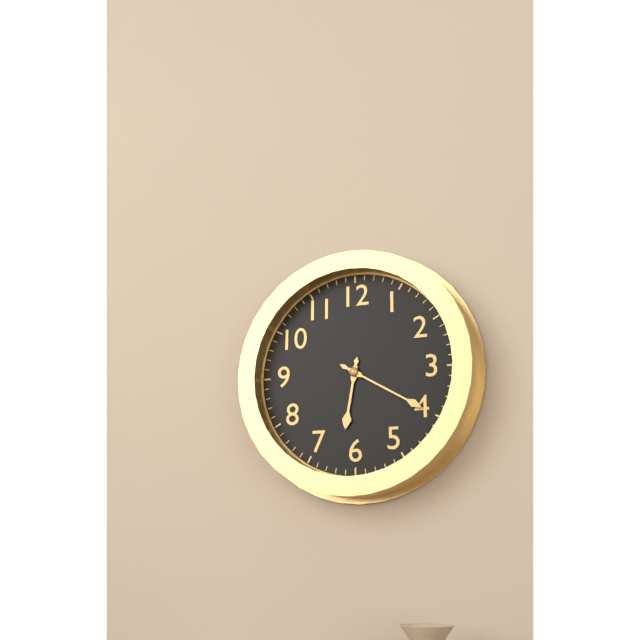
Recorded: **6:20**
